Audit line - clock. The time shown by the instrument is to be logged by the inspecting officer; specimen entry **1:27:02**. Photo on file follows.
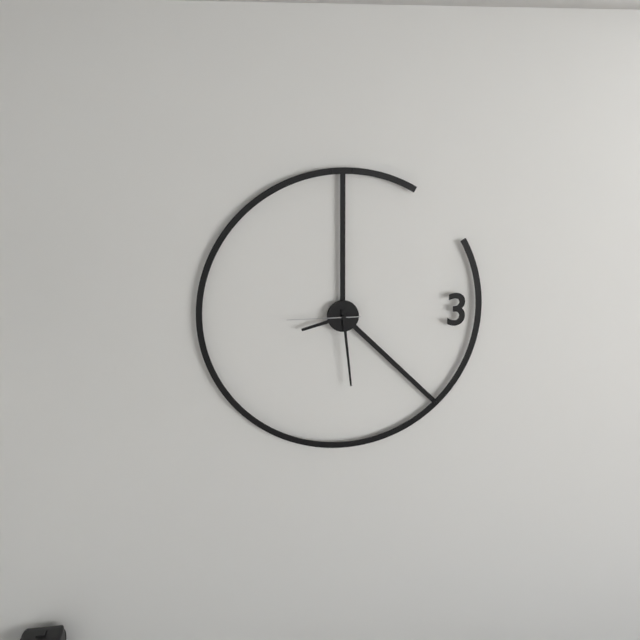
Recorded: **8:29:45**
